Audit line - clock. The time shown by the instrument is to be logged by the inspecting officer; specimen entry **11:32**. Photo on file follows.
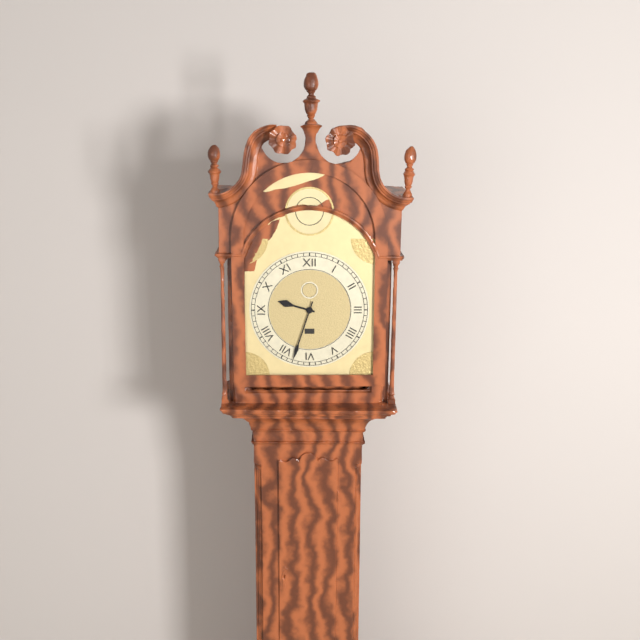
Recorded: **9:33**
